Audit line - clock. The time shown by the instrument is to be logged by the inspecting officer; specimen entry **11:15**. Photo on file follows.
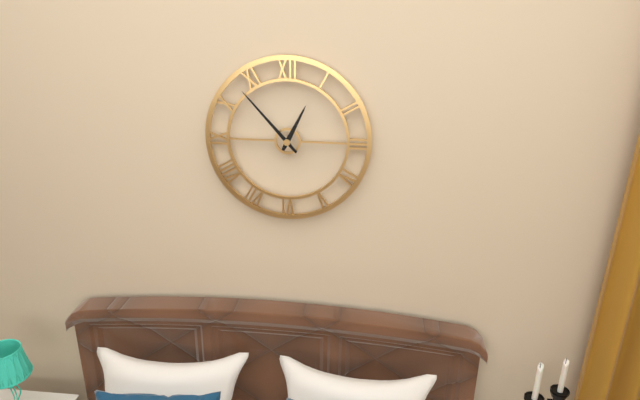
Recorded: **12:53**
